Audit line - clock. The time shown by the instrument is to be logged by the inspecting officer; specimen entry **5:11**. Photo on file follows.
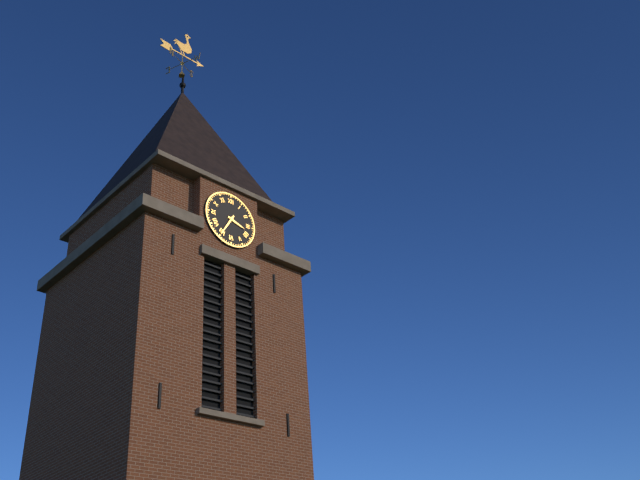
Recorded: **3:35**
